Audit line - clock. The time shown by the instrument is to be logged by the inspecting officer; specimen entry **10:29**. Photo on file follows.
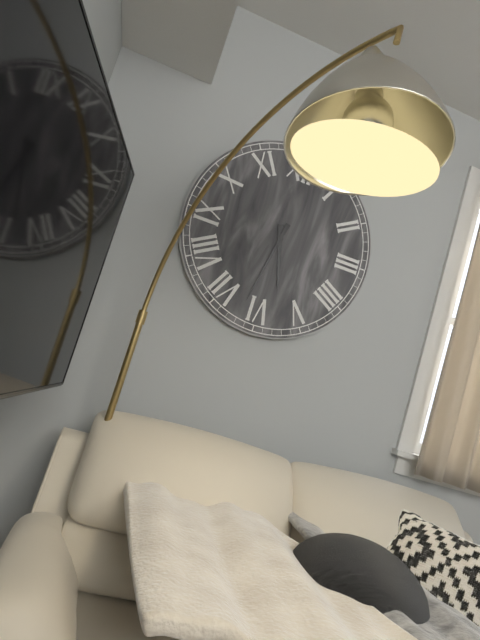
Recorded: **5:32**
